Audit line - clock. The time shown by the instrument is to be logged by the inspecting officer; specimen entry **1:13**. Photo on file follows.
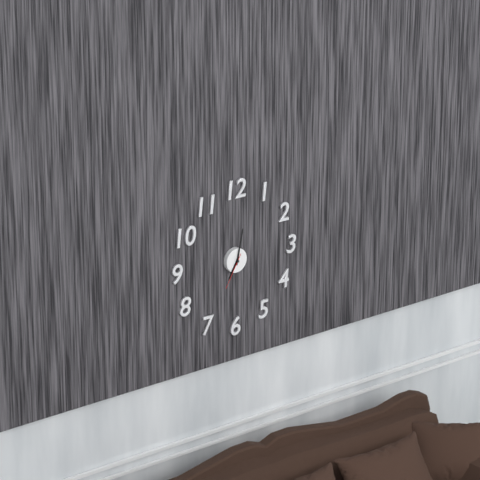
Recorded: **7:02**
